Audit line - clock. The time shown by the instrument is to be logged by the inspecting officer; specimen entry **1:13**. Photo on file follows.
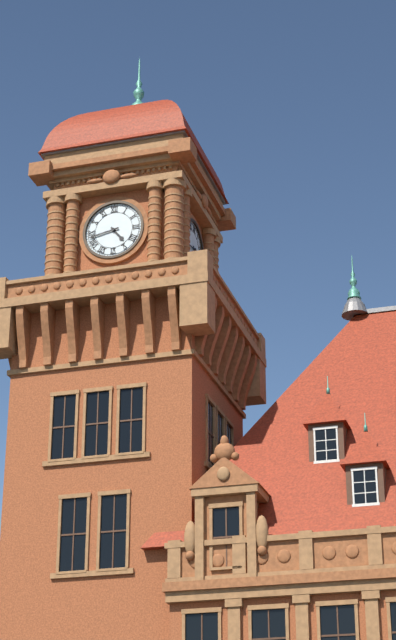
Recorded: **4:43**
